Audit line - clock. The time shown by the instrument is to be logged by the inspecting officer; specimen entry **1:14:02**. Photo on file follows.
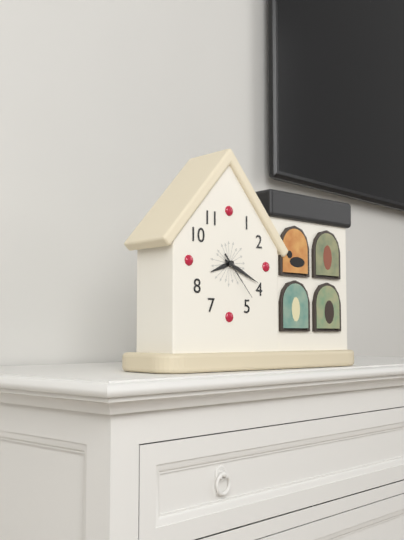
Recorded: **8:19:23**
